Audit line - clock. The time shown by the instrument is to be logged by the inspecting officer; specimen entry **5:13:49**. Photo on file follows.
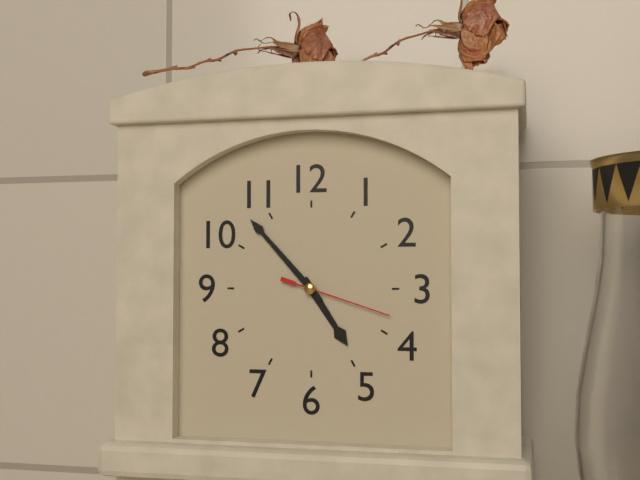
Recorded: **4:53:18**
